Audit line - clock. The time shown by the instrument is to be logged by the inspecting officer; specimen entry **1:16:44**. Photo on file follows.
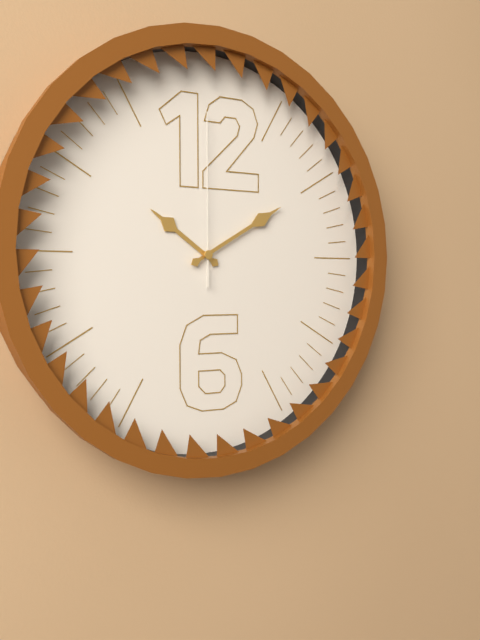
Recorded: **10:10:00**
